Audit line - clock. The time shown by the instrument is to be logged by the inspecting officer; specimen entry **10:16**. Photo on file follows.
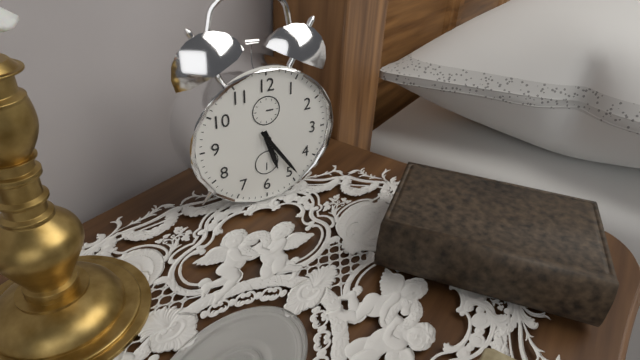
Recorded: **5:24**
